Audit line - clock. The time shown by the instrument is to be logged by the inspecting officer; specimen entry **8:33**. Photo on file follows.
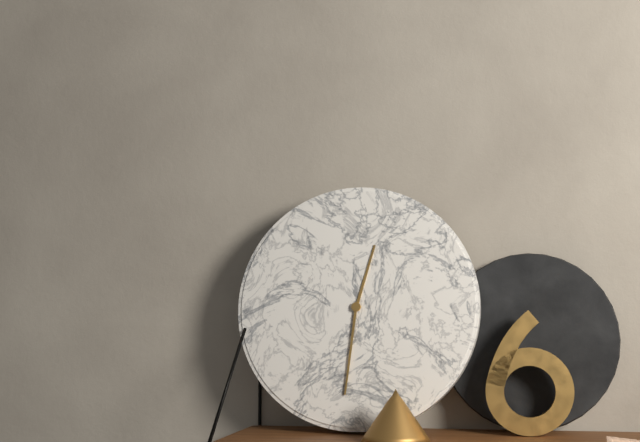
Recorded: **12:31**
